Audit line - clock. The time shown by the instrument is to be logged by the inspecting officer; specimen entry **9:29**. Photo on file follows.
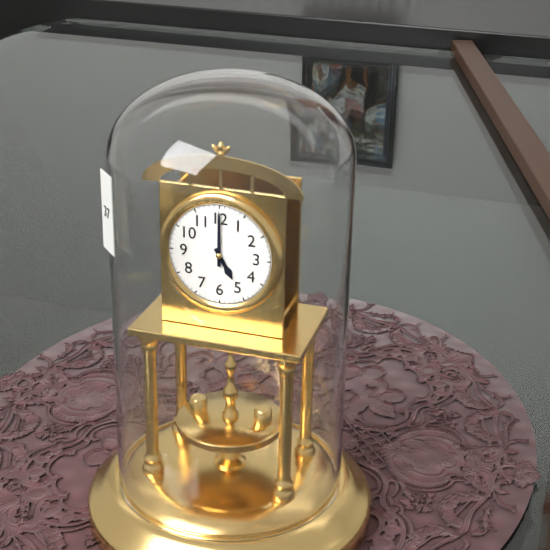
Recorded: **5:00**
